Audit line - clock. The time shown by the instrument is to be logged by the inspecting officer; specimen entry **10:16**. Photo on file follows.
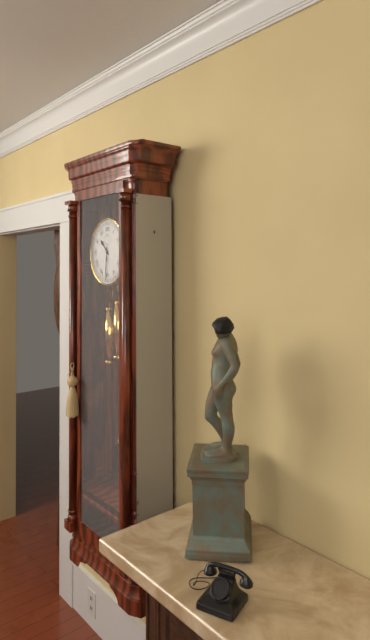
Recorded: **10:31**
